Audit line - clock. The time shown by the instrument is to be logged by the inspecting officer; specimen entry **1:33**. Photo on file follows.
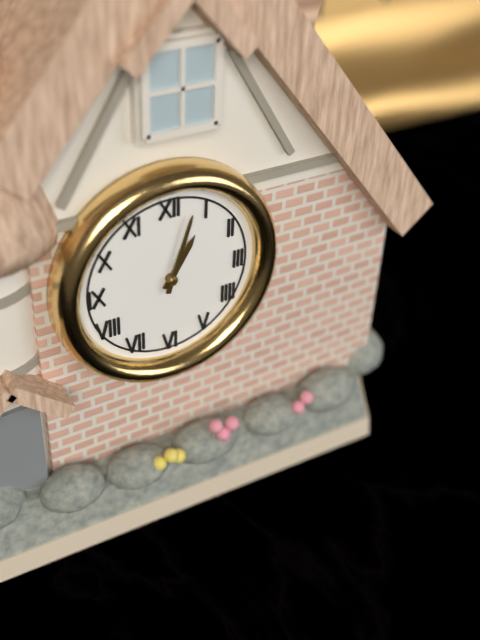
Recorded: **1:03**
